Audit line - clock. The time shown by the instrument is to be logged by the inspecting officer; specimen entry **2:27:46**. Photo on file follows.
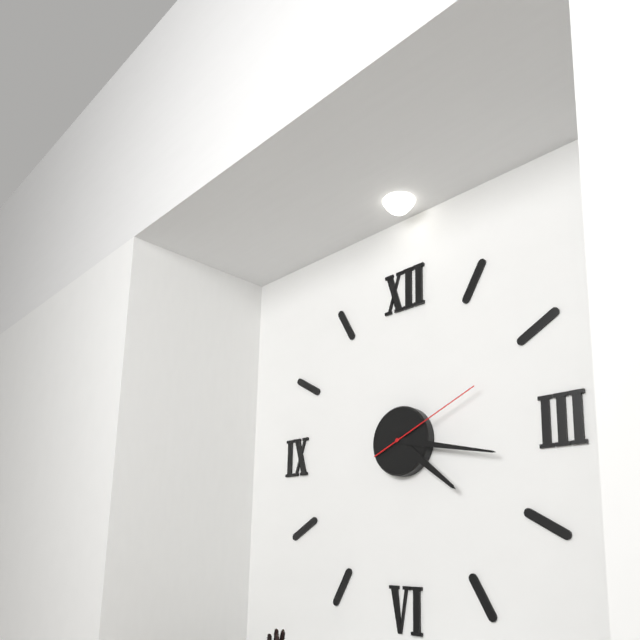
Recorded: **4:17:11**
